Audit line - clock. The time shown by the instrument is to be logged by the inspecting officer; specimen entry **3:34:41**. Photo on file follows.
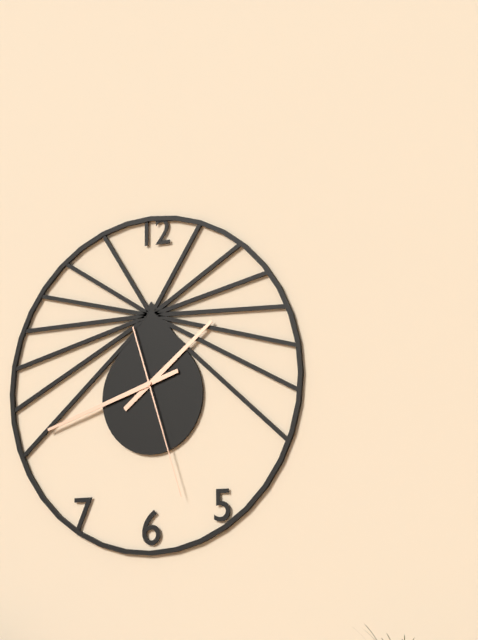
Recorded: **1:42:27**
